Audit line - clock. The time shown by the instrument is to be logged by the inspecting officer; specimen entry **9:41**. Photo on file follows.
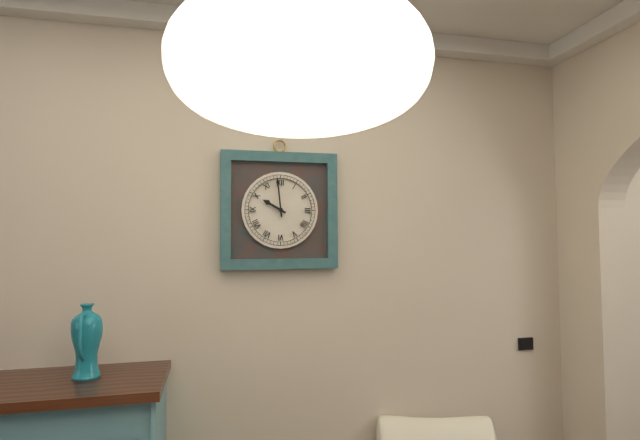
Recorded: **9:59**
